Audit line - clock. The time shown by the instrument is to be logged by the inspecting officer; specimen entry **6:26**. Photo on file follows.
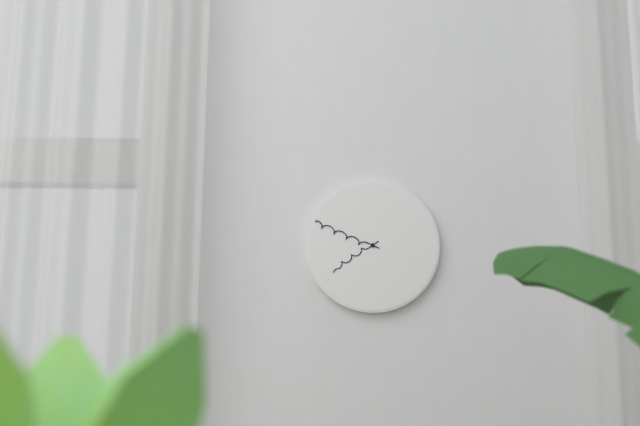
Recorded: **7:49**
